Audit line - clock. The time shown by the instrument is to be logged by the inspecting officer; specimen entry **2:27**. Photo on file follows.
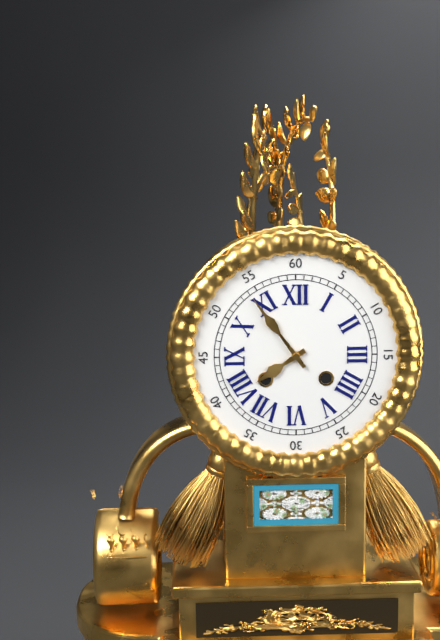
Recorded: **7:54**
